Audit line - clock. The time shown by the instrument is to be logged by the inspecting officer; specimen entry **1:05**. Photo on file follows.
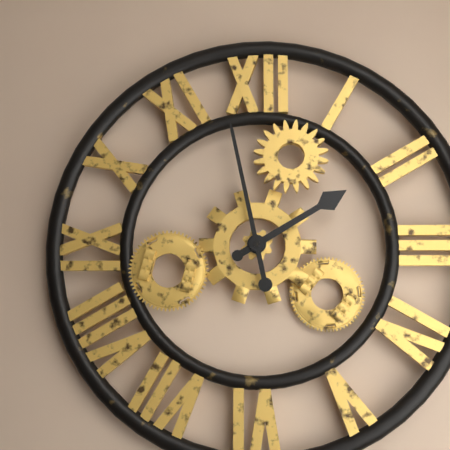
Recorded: **1:58**
